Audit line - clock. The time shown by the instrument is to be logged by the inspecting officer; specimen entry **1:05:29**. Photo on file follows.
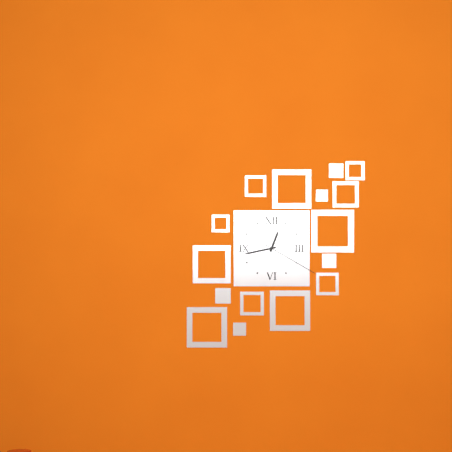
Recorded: **12:43:20**
